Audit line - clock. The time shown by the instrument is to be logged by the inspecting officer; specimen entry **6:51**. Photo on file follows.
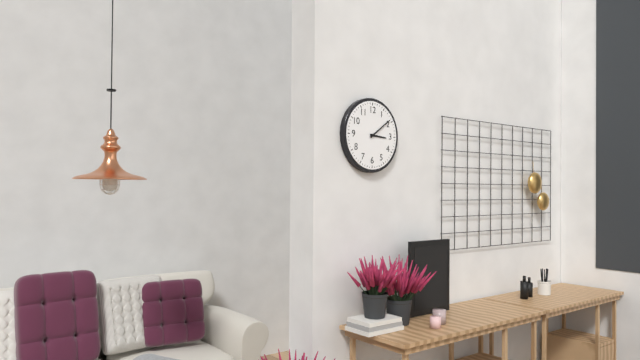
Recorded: **3:09**
